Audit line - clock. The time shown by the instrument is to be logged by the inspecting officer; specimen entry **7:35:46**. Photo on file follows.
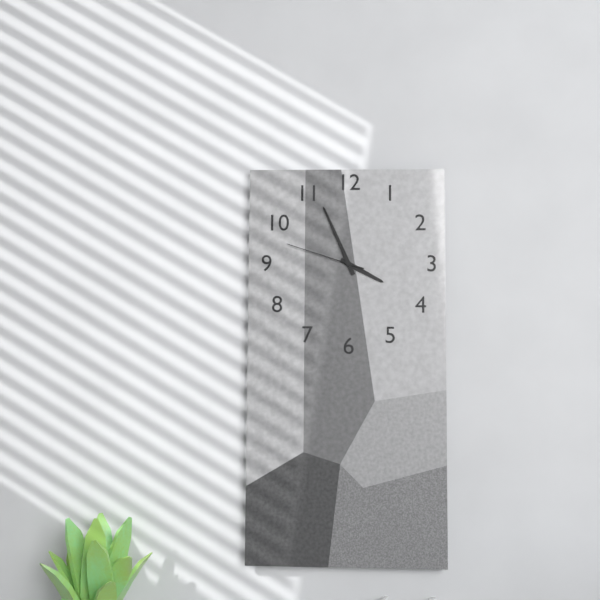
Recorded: **3:56:48**
